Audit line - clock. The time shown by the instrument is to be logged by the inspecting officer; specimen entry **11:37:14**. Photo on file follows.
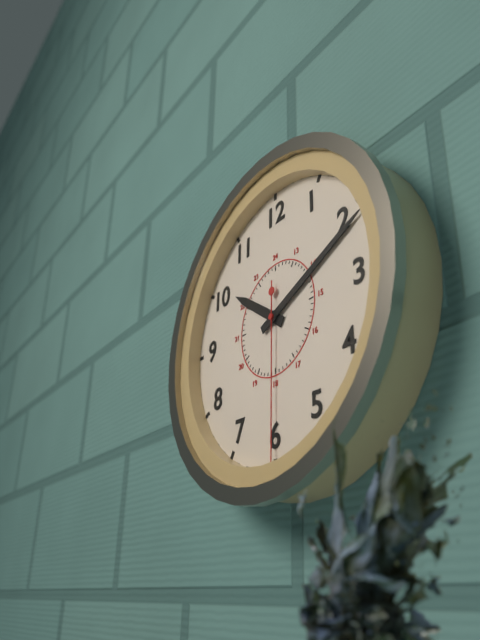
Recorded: **10:11:30**
